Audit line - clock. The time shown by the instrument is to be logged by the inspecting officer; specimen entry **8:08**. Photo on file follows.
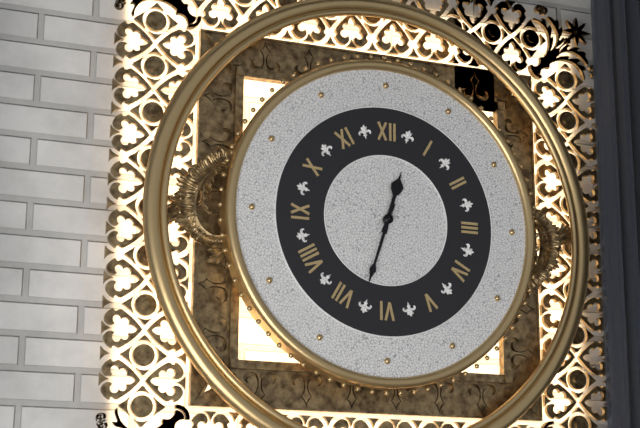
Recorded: **12:33**
